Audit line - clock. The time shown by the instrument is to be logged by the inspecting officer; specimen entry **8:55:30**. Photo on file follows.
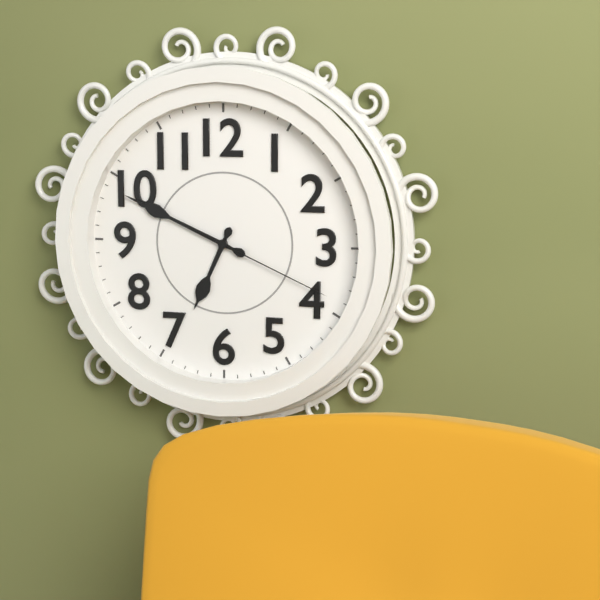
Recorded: **6:49:19**
